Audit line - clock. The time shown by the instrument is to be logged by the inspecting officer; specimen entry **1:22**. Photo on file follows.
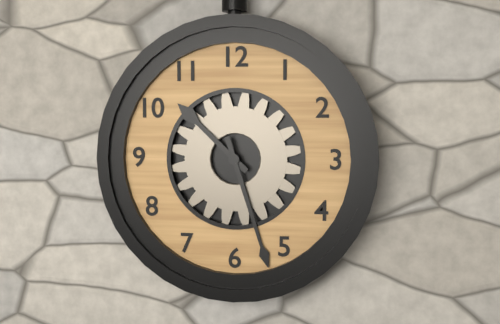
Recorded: **10:27**
